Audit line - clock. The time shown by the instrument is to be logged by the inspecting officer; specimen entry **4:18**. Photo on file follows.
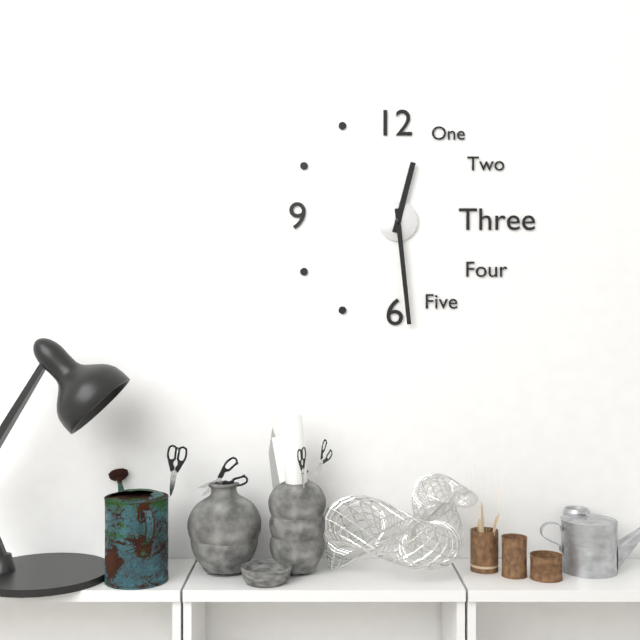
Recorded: **12:29**
